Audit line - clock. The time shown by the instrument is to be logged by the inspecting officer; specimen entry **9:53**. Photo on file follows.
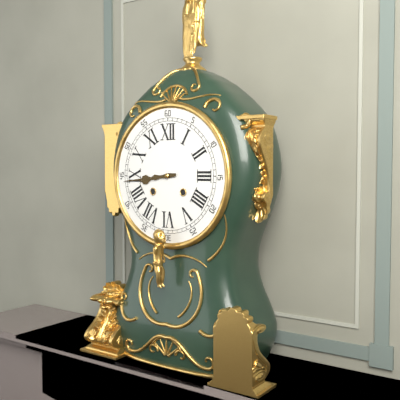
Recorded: **8:44**
